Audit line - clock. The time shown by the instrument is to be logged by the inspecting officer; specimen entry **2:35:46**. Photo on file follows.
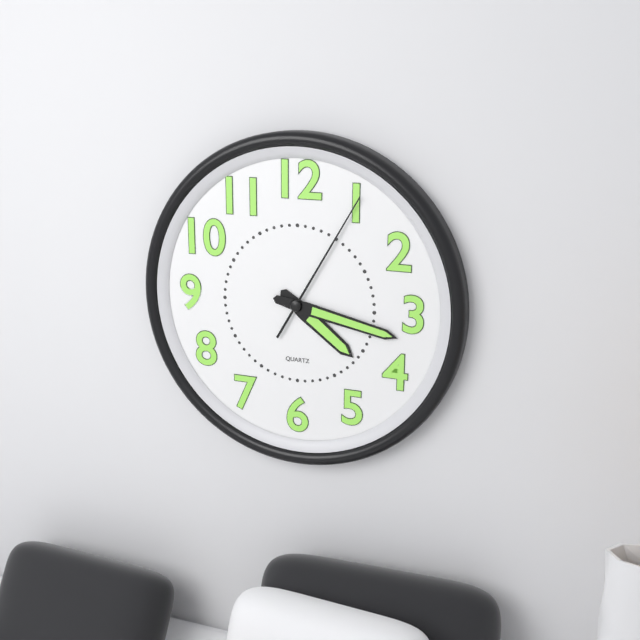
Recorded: **4:17:05**
